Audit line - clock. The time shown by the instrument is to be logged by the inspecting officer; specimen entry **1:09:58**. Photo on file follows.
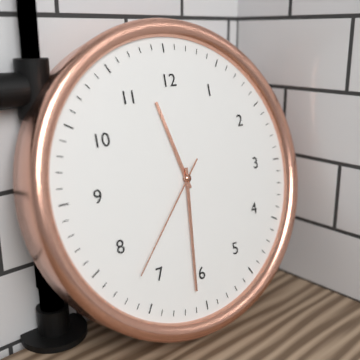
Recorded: **11:31:37**
